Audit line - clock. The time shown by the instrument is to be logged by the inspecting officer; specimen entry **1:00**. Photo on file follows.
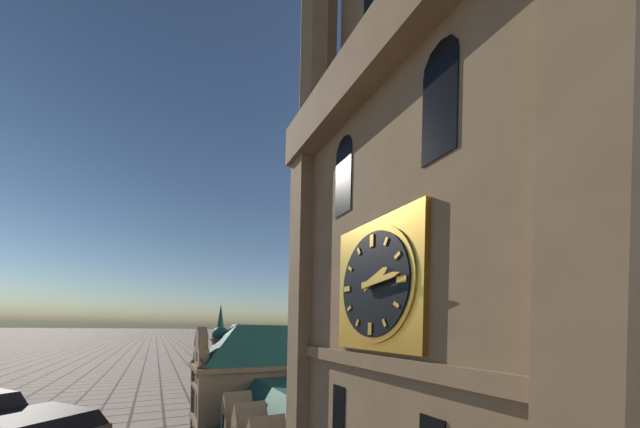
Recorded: **2:14**
